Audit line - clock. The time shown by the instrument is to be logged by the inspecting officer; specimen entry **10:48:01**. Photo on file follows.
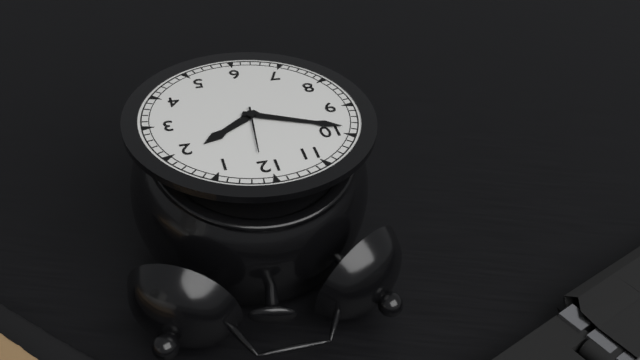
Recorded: **1:49:01**
